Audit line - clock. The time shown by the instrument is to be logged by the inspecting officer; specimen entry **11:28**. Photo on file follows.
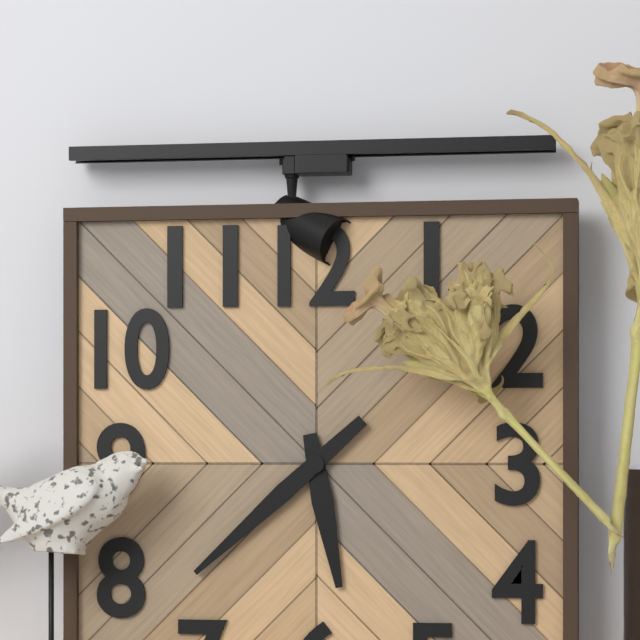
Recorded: **5:38**
